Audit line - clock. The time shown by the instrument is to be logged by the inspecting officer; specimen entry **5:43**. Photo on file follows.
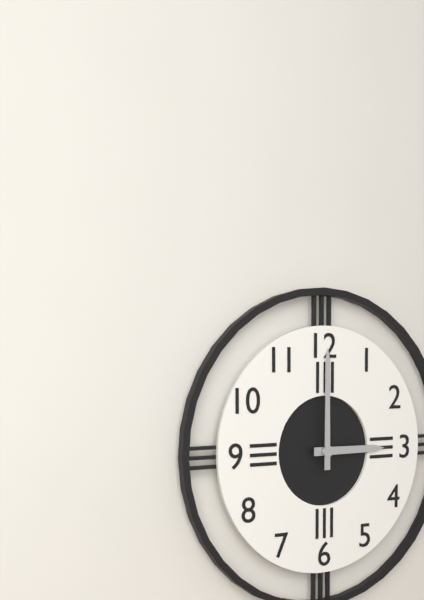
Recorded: **3:00**
